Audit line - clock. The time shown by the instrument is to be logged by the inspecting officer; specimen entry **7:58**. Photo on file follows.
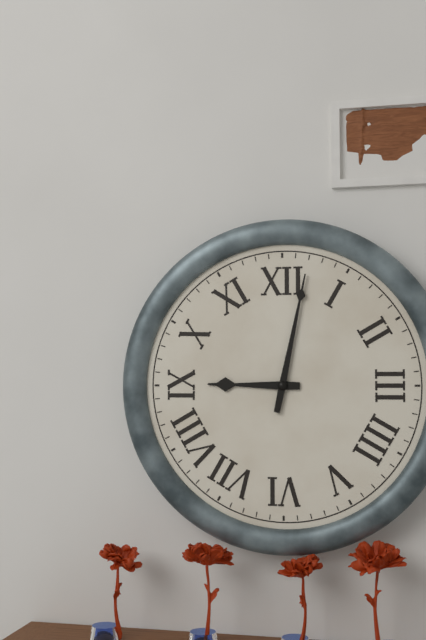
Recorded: **9:02**
